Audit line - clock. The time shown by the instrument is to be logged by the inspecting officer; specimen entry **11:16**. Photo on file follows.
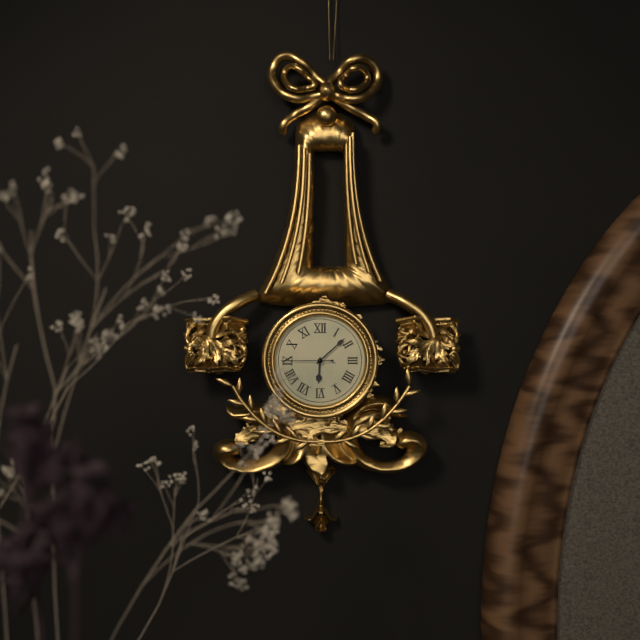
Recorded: **6:08**
